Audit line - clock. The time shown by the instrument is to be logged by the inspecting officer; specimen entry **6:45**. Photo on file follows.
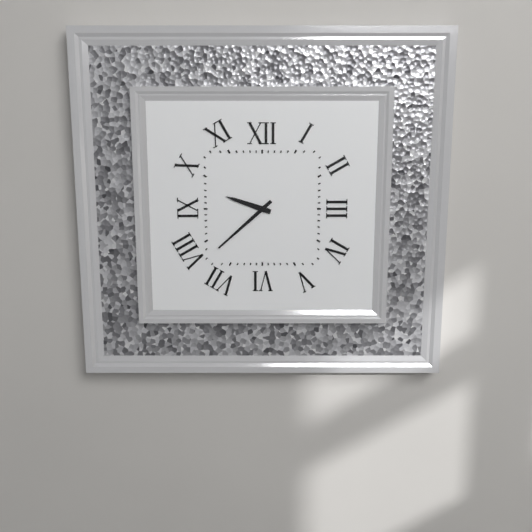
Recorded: **9:38**
